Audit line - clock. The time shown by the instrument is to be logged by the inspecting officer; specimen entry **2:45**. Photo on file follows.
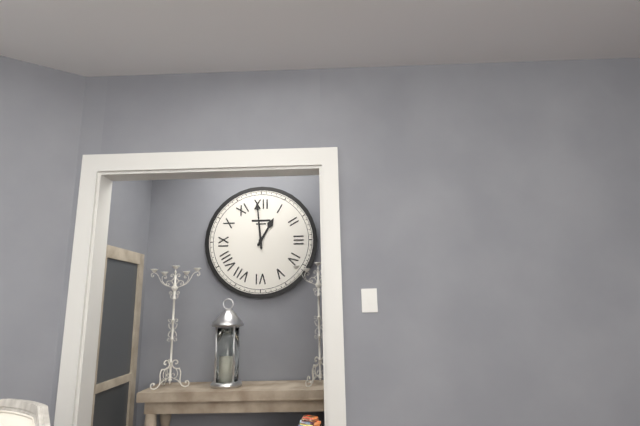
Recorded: **12:59**
